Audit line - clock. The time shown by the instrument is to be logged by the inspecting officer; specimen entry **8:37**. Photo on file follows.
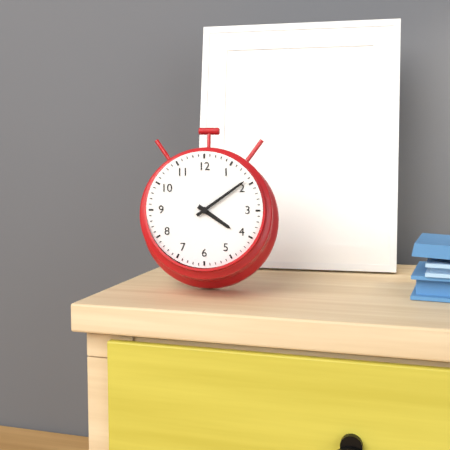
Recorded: **4:09**
